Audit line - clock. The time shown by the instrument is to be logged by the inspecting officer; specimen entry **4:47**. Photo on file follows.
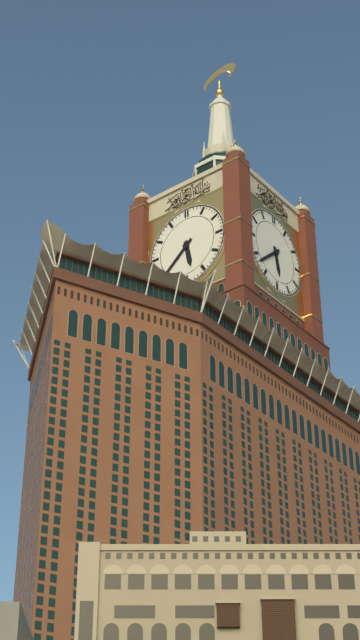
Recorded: **5:38**
